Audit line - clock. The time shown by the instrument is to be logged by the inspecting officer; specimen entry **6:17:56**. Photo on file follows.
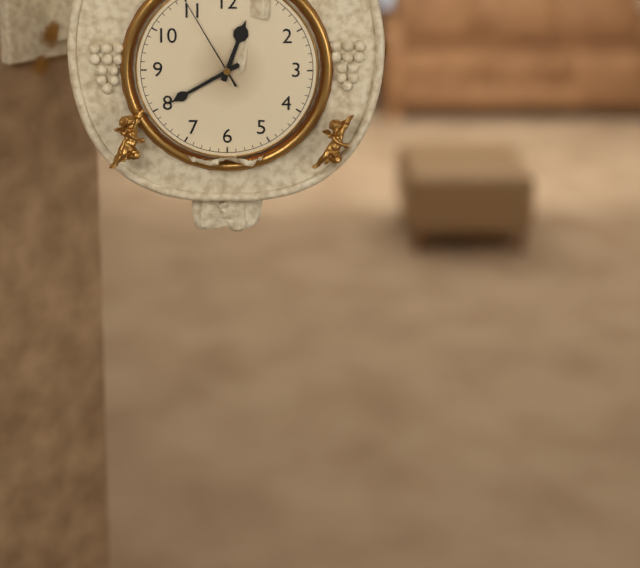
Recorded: **12:40:55**
